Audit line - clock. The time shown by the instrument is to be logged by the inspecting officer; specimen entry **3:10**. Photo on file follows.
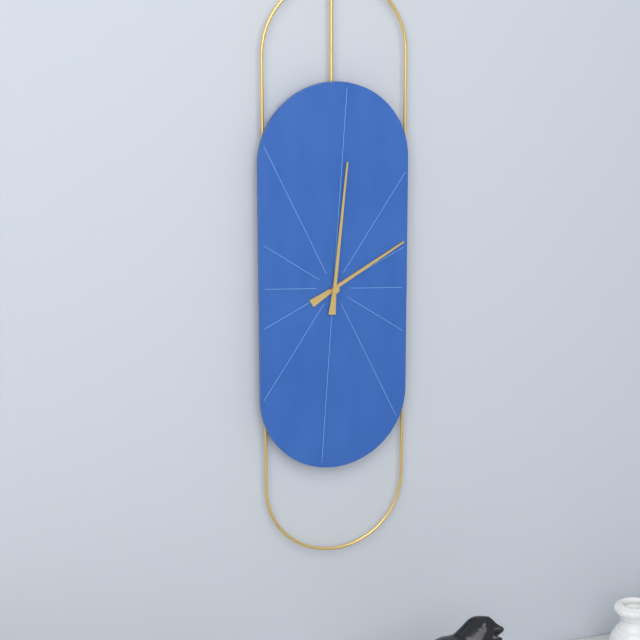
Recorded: **2:01**
